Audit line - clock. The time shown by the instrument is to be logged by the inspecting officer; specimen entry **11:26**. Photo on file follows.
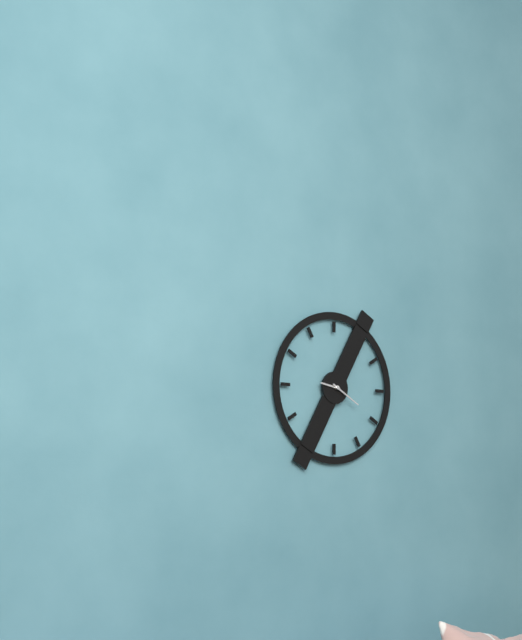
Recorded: **9:20**
